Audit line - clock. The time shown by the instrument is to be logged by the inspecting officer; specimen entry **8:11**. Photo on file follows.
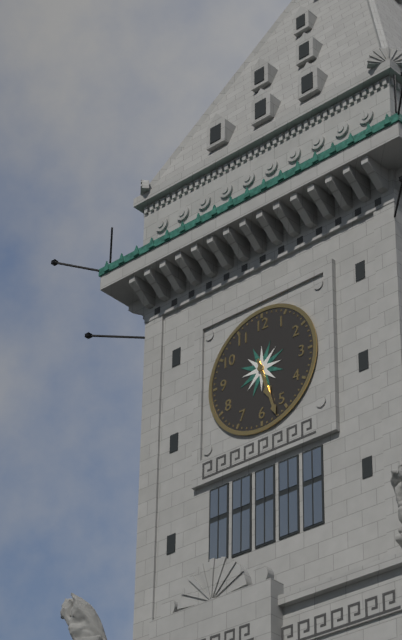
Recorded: **5:27**
